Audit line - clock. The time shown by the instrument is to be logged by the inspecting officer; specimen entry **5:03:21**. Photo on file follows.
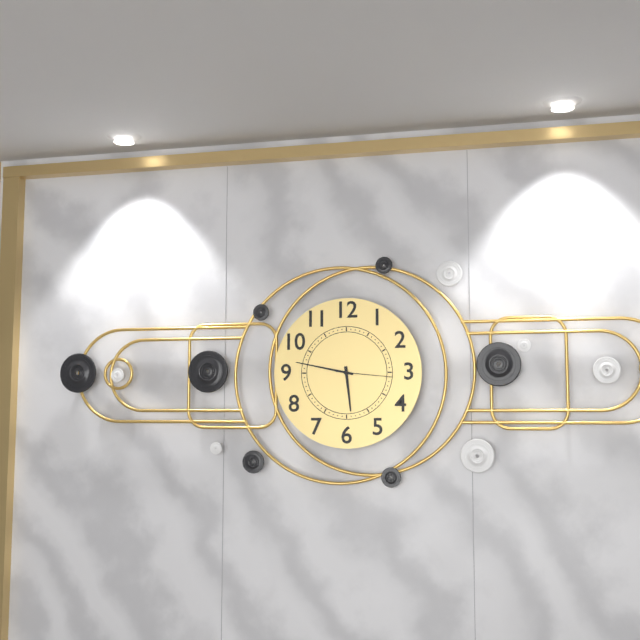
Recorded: **5:47:16**
